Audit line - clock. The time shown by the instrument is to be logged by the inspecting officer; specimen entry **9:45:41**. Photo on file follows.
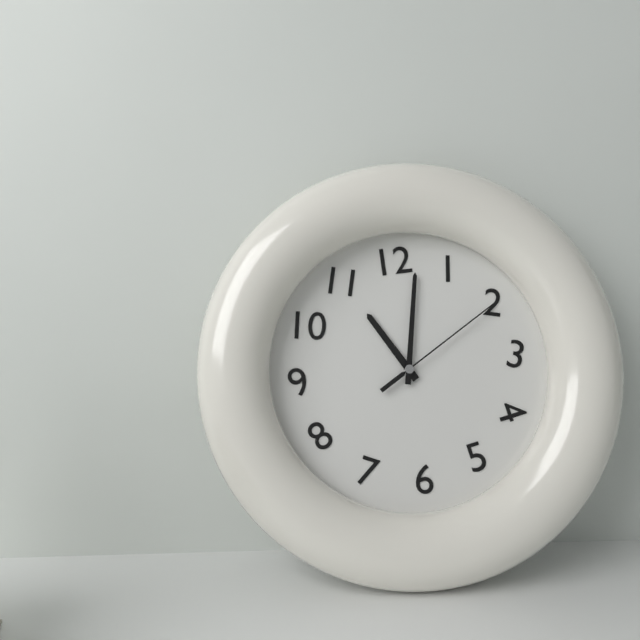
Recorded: **11:02:10**
